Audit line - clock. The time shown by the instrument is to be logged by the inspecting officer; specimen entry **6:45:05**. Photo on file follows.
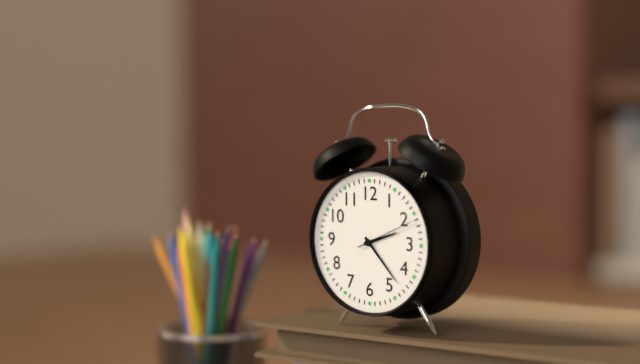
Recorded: **2:23:11**
